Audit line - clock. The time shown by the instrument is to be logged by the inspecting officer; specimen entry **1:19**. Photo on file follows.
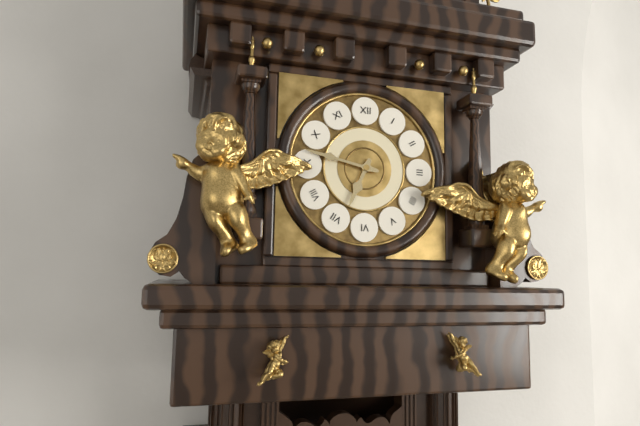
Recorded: **6:47**
